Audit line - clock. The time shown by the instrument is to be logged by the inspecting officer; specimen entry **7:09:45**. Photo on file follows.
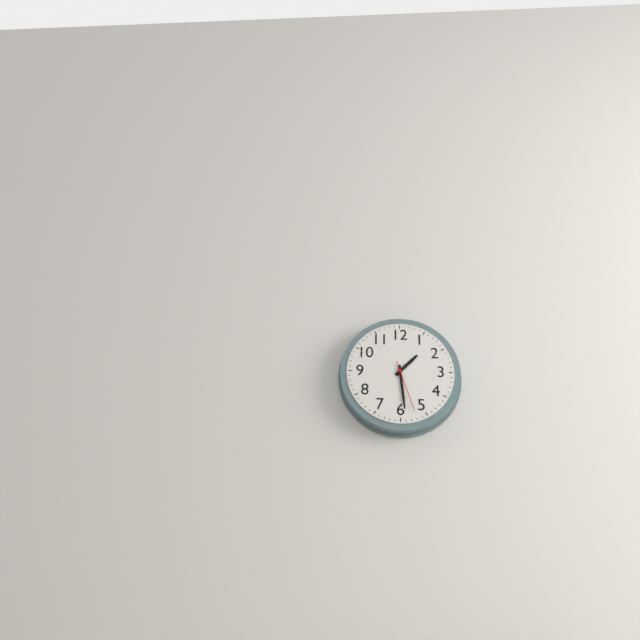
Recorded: **1:29:27**
